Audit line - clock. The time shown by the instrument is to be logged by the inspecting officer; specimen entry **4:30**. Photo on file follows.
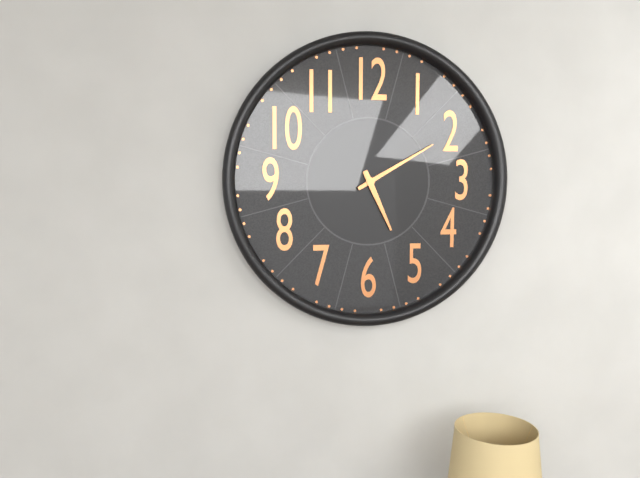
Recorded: **5:10**
